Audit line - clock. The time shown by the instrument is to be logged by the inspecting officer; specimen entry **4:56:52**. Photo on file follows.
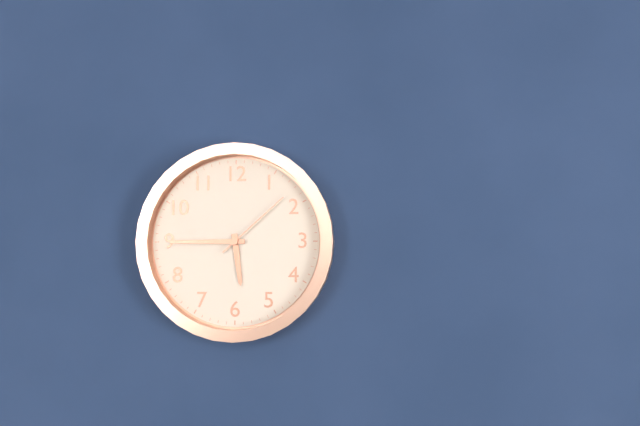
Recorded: **5:45:08**
